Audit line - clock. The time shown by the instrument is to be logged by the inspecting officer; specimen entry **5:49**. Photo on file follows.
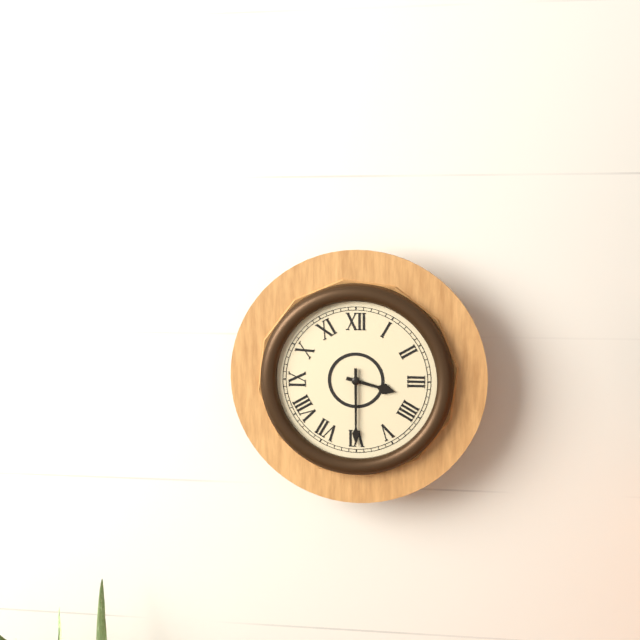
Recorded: **3:30**
